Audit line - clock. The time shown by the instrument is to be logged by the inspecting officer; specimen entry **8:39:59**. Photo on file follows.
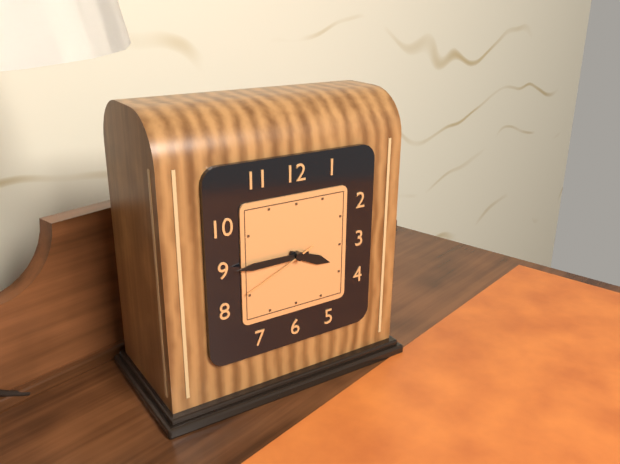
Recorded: **3:45:41**
